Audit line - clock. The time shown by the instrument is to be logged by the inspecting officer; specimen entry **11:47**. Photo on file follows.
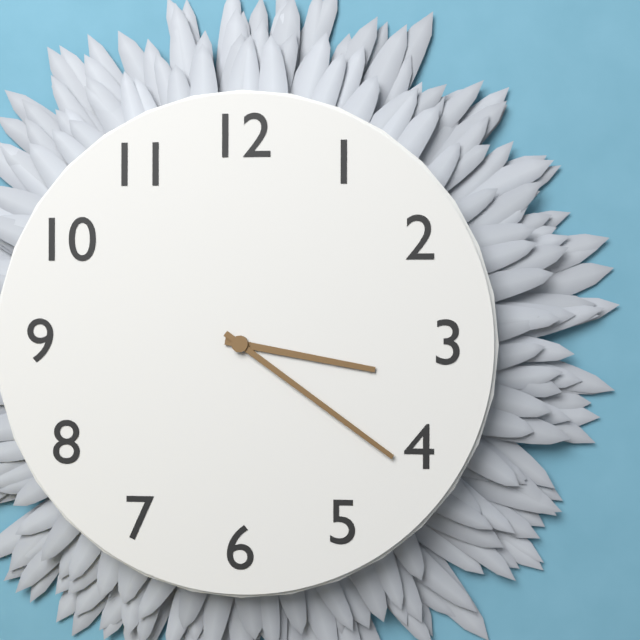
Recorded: **3:21**
